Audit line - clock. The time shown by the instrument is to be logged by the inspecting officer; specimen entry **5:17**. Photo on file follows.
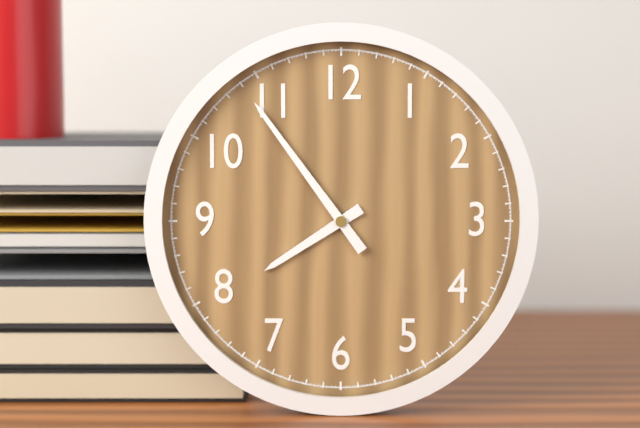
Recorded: **7:54**
